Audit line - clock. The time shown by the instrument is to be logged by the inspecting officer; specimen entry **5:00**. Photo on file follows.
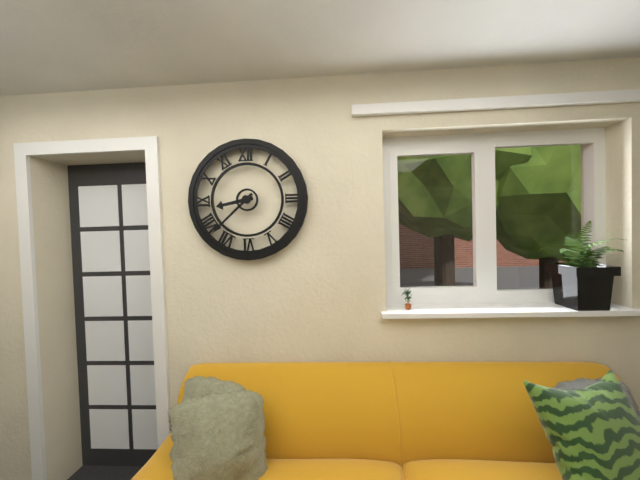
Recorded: **8:38**
